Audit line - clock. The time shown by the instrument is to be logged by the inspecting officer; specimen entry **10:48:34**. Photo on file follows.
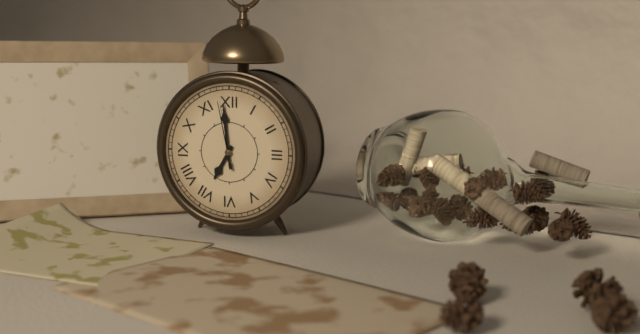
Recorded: **6:59:58**
